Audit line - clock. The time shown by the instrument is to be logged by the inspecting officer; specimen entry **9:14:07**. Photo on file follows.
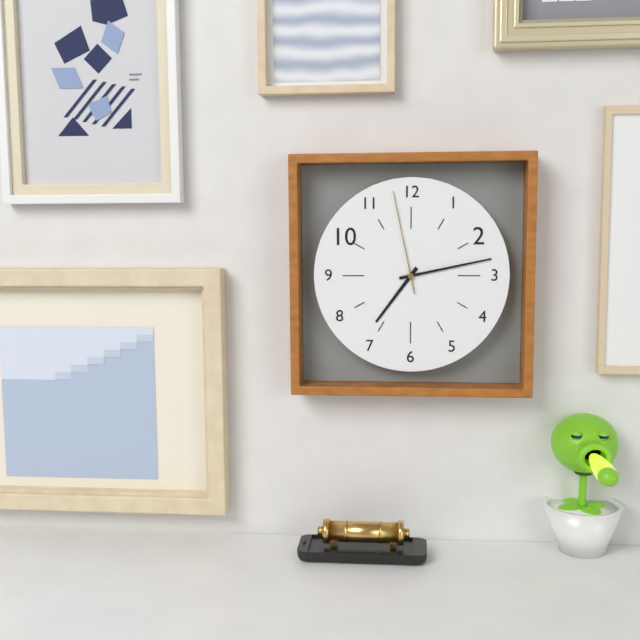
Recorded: **7:13:58**
